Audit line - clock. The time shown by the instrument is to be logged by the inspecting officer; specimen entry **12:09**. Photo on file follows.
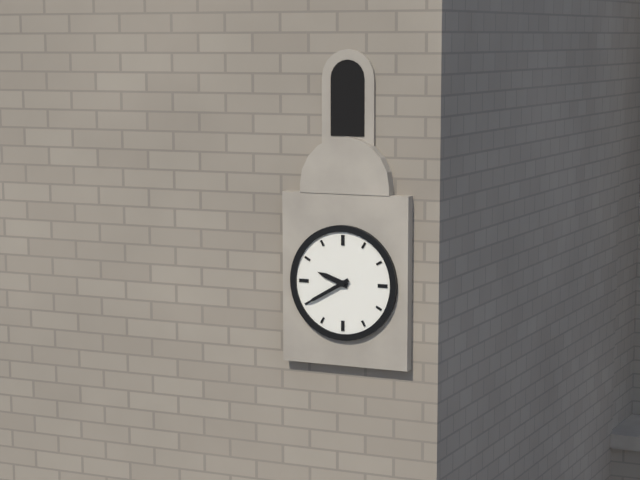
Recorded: **9:40**
